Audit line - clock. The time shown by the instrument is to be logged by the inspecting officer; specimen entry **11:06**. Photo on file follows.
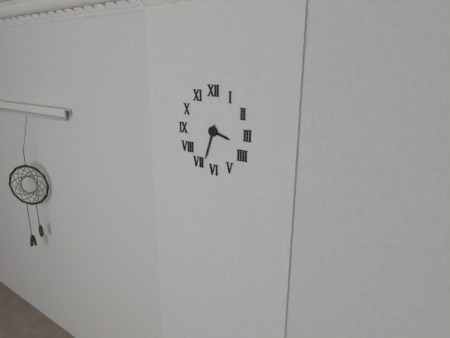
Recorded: **3:33**
